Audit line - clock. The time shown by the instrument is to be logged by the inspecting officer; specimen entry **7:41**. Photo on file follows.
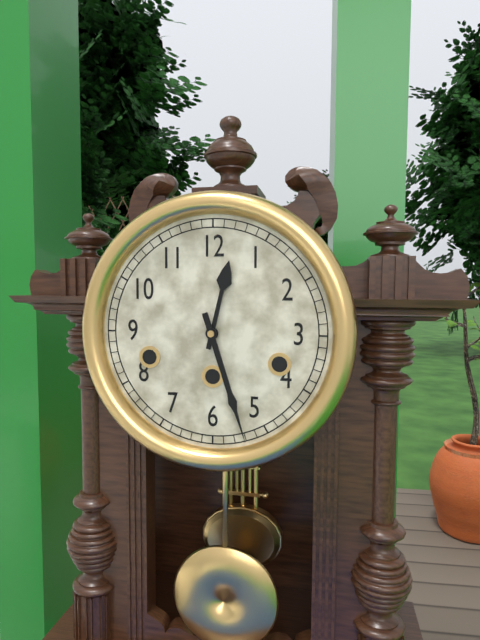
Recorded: **12:27**
